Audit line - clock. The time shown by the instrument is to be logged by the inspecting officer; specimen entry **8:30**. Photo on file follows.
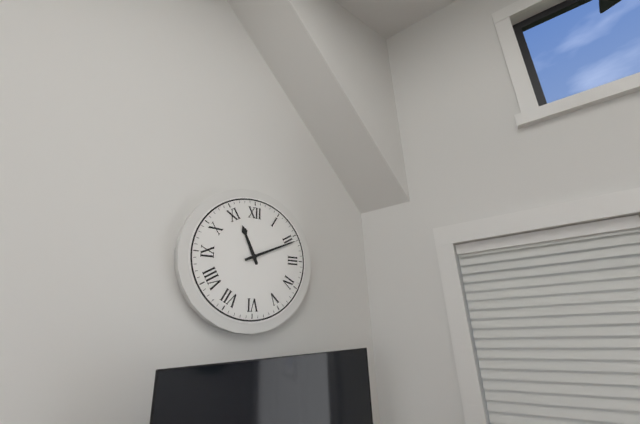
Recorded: **11:11**
